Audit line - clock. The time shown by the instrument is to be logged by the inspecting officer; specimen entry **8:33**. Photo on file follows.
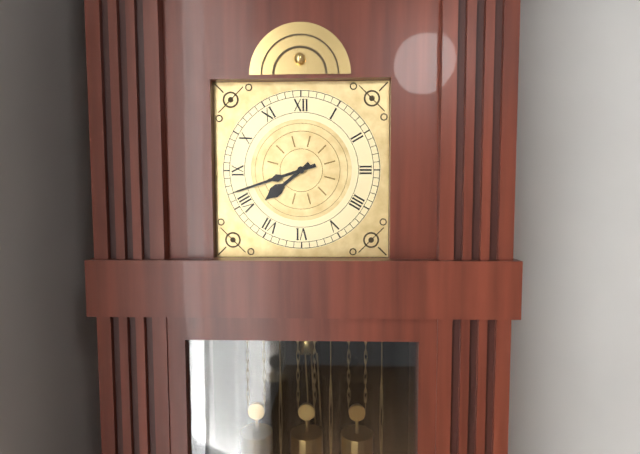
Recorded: **7:42**
